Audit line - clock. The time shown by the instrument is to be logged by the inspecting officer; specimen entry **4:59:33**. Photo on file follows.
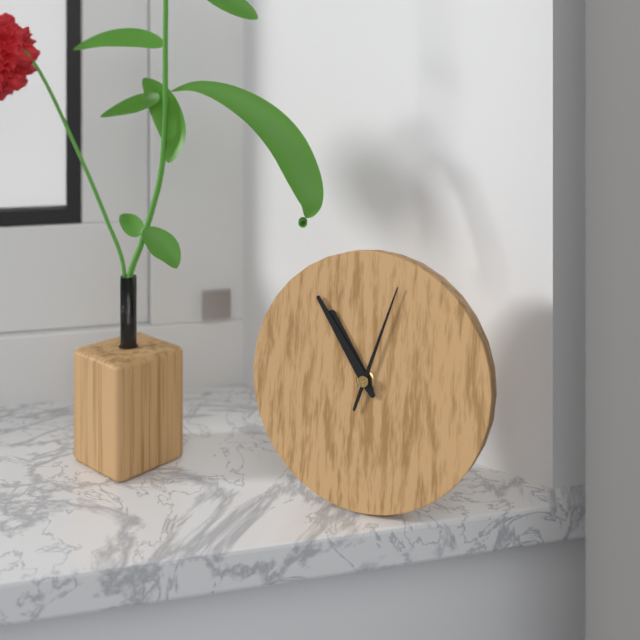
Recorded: **10:54:03**
